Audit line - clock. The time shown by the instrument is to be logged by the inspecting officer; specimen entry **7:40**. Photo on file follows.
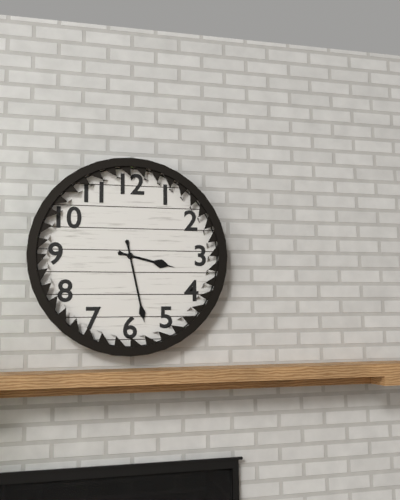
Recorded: **3:28**
